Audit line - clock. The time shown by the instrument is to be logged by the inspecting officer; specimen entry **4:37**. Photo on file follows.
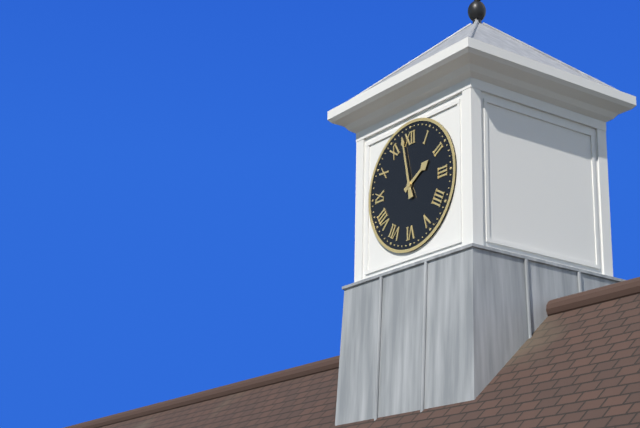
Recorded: **1:58**
